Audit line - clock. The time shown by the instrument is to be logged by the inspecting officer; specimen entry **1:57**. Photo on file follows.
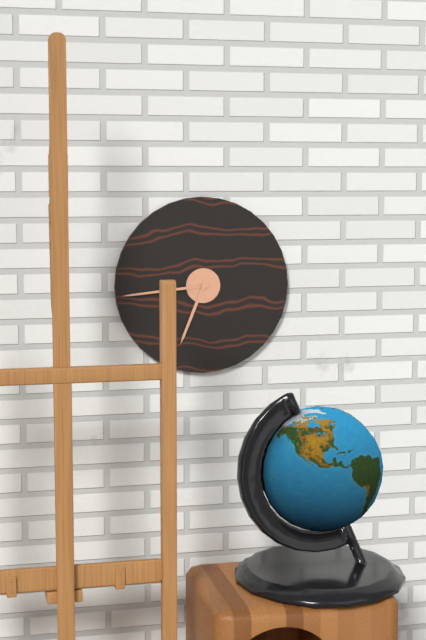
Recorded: **6:44**
